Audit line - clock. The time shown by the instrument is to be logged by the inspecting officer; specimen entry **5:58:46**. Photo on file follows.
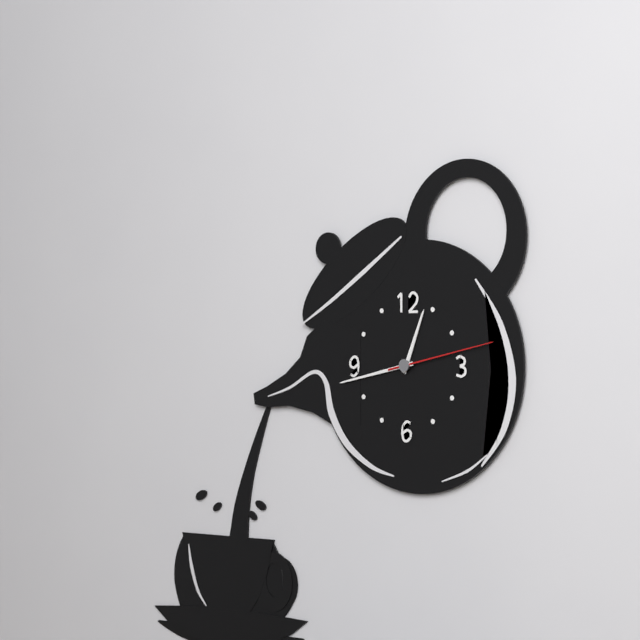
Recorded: **12:43:13**
